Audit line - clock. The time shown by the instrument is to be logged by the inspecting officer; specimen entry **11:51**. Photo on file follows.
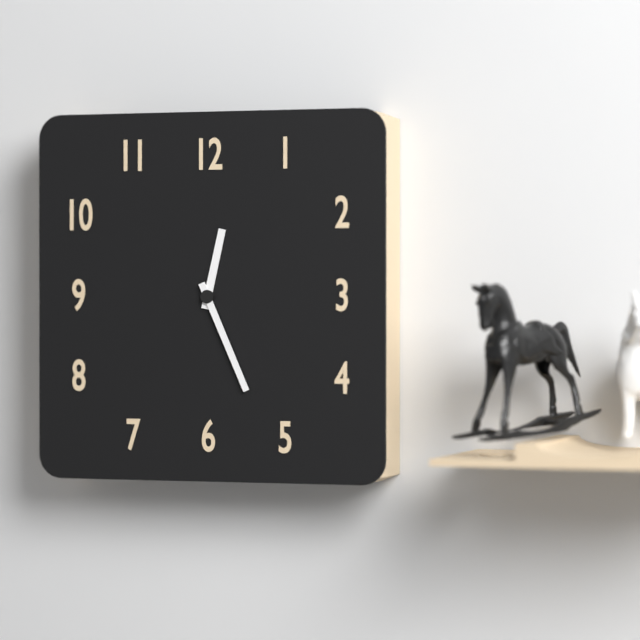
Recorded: **12:26**
